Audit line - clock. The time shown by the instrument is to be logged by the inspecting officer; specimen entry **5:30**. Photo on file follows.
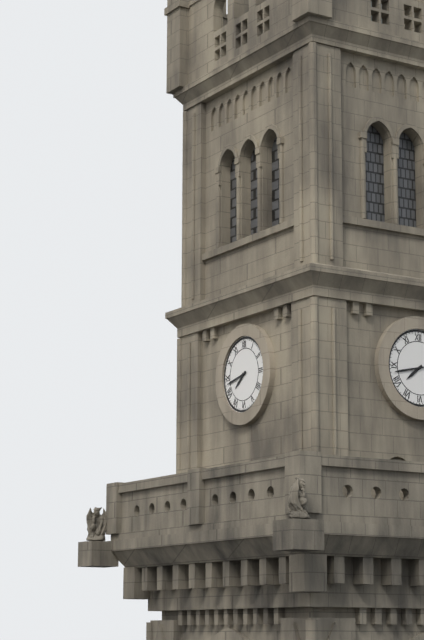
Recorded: **7:43**
